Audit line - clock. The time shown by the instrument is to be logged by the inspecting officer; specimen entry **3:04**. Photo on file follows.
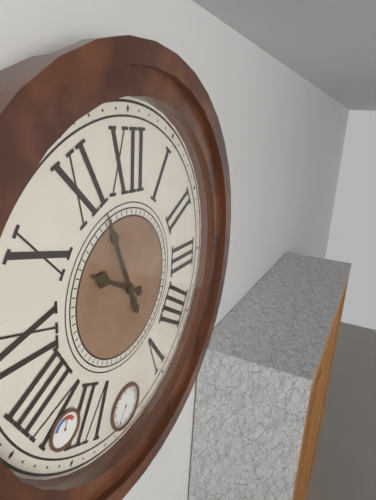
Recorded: **9:56**
